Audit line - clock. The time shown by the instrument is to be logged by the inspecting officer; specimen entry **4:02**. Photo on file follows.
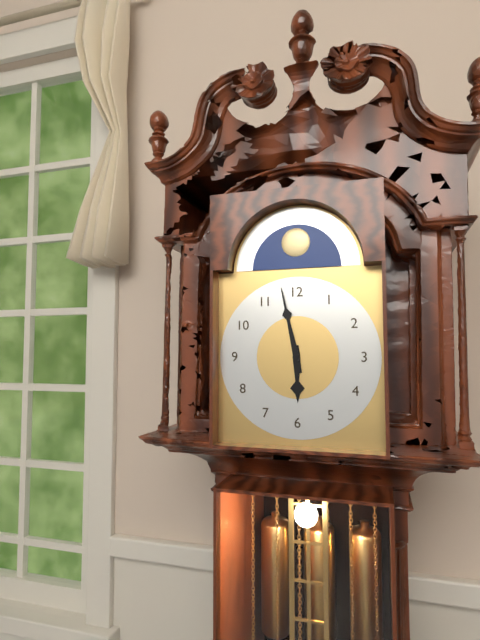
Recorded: **5:58**
